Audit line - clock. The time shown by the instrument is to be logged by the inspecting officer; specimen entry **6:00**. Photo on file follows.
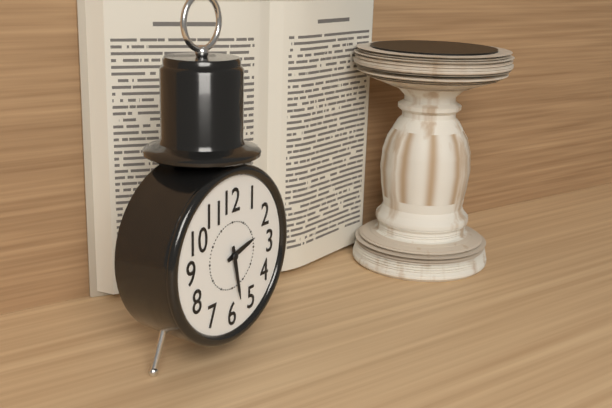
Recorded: **2:28**
